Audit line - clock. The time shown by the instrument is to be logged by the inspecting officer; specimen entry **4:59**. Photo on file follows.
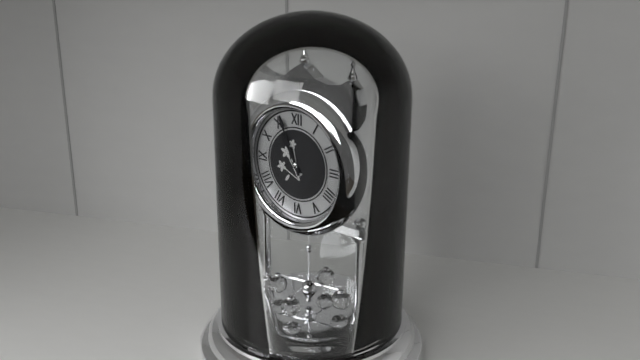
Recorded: **10:56**
